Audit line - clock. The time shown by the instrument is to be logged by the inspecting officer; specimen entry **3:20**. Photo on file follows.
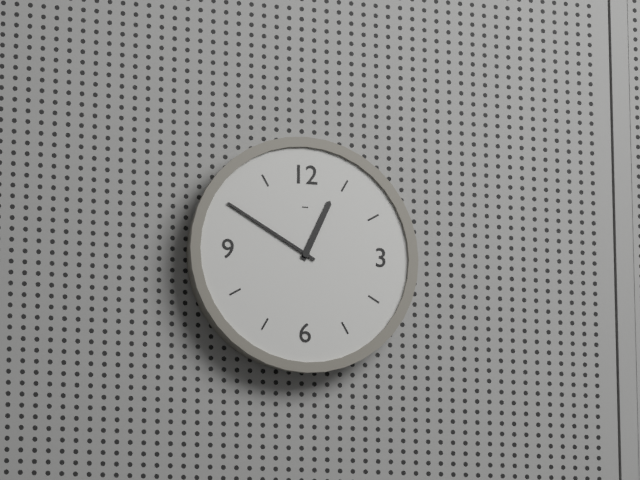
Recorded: **12:50**
